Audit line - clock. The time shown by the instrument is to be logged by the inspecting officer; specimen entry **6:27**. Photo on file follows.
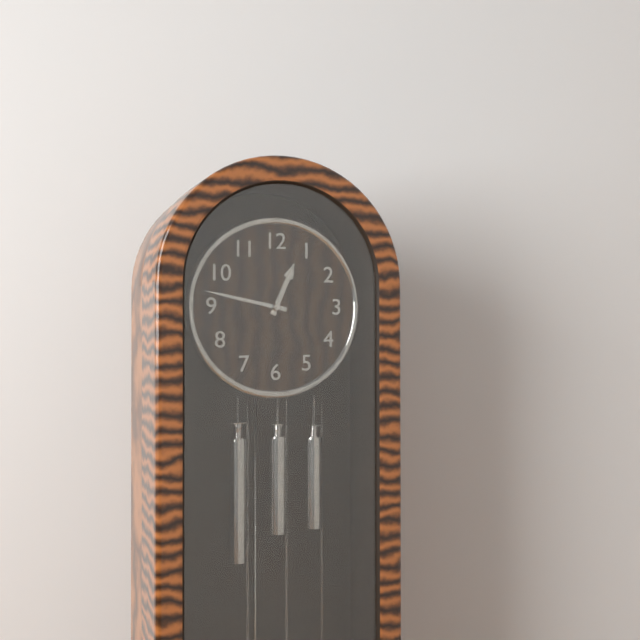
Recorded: **12:47**
